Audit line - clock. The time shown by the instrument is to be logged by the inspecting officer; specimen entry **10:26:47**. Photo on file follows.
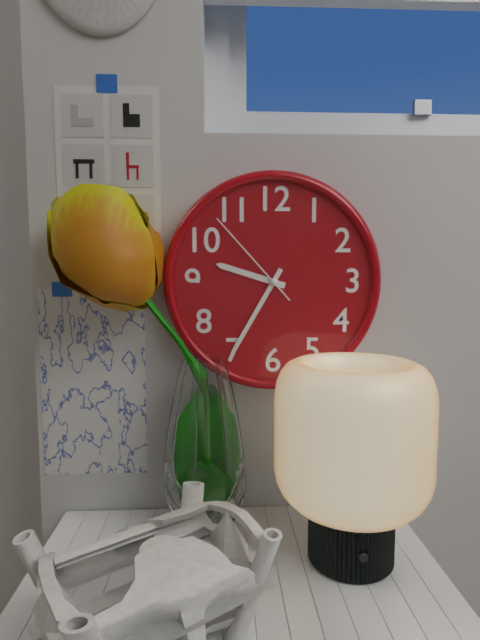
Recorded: **9:35:53**
